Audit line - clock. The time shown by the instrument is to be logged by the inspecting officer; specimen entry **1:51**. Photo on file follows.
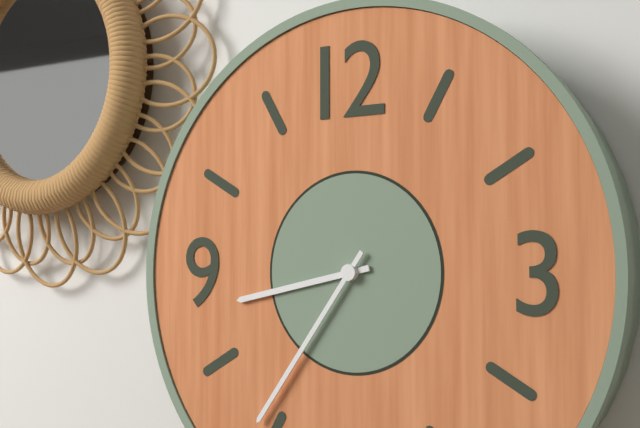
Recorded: **8:36**
